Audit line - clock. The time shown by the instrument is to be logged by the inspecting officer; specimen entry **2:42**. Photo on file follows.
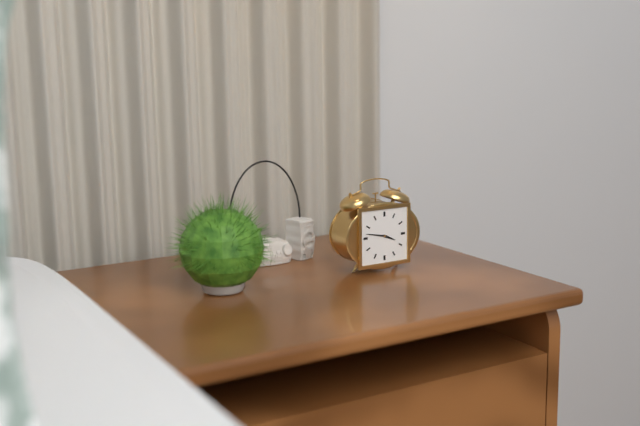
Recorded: **3:47**
